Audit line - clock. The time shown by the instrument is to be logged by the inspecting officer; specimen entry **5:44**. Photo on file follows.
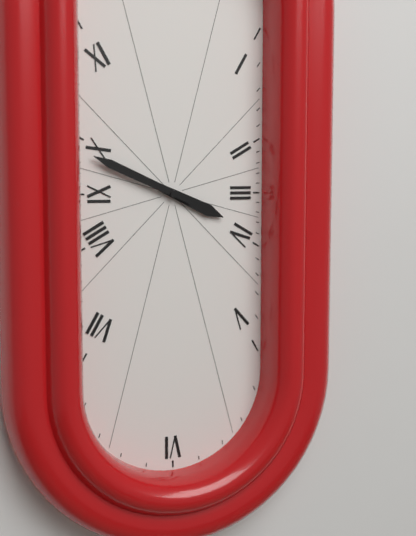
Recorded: **3:49**
